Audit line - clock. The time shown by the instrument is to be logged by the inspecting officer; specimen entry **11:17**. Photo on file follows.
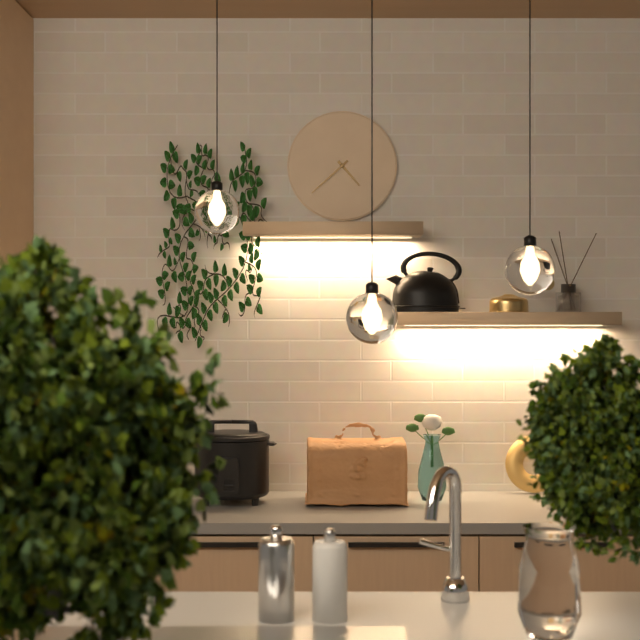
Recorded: **4:38**
